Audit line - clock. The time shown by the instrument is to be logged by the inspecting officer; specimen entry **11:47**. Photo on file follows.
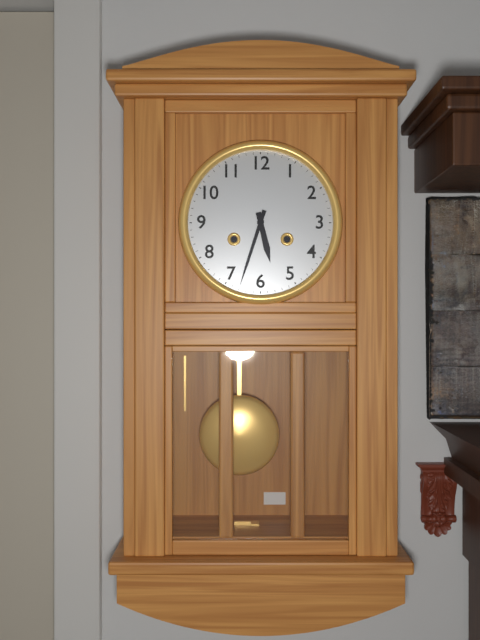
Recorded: **5:33**
